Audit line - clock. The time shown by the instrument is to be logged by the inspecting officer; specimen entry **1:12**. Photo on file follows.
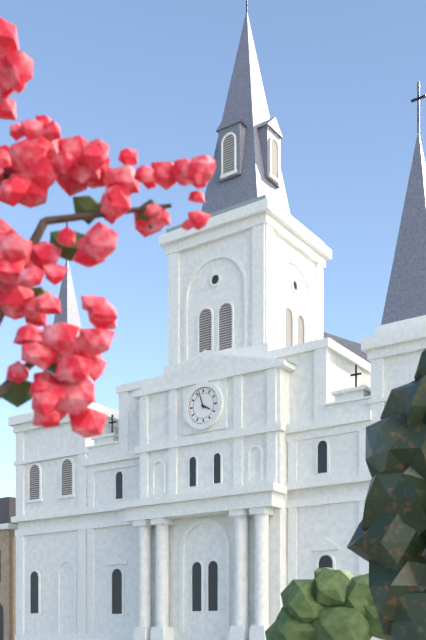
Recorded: **3:57**
